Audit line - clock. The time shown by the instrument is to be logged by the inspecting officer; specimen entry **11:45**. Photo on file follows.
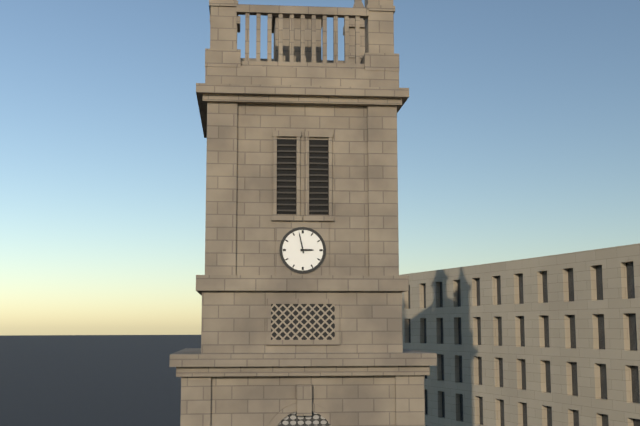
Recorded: **2:58**
